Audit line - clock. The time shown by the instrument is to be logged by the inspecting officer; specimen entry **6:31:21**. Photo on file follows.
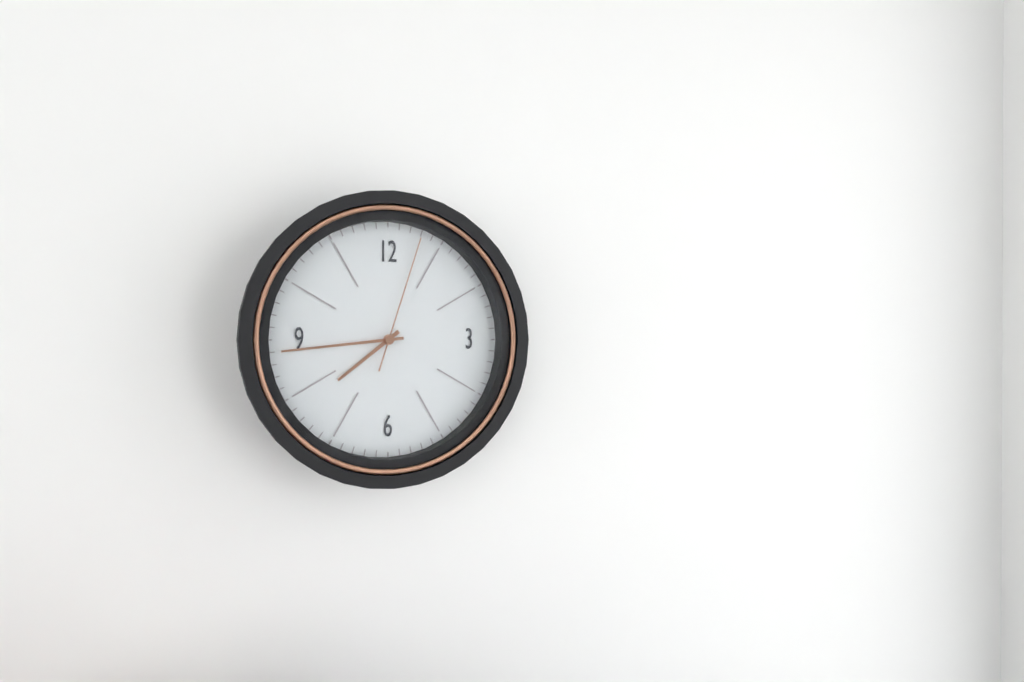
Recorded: **7:44:03**
